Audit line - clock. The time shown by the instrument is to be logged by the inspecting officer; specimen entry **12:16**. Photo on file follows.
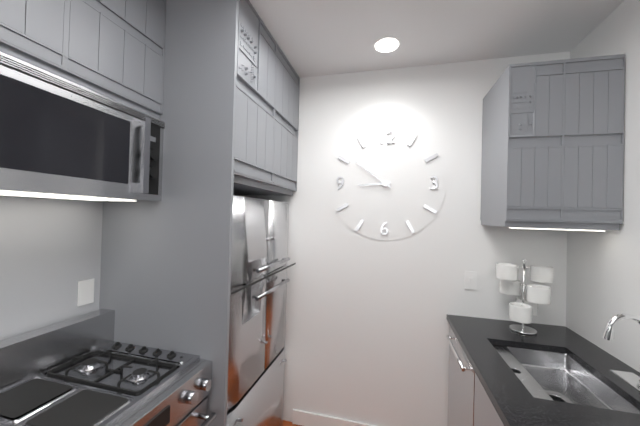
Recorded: **8:51**
